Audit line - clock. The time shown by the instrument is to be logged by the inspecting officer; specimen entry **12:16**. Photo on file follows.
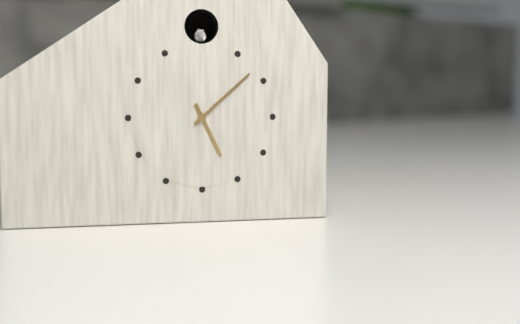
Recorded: **5:08**
